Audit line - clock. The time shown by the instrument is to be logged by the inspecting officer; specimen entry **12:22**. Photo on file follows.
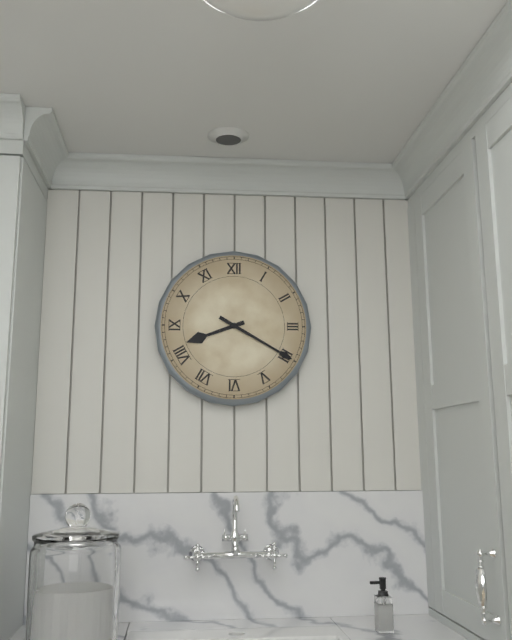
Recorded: **8:20**
